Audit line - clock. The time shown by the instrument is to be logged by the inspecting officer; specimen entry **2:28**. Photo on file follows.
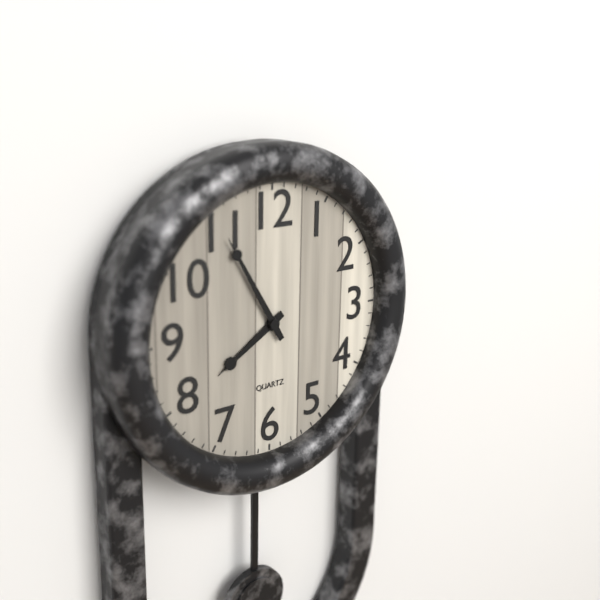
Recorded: **7:55**
